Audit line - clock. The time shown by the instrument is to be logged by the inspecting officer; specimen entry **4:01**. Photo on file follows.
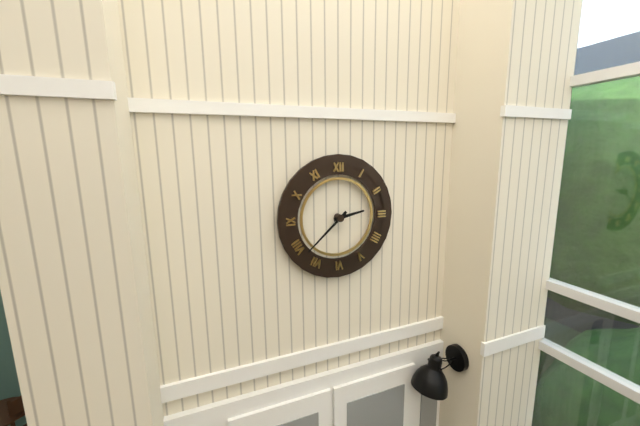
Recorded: **2:38**
